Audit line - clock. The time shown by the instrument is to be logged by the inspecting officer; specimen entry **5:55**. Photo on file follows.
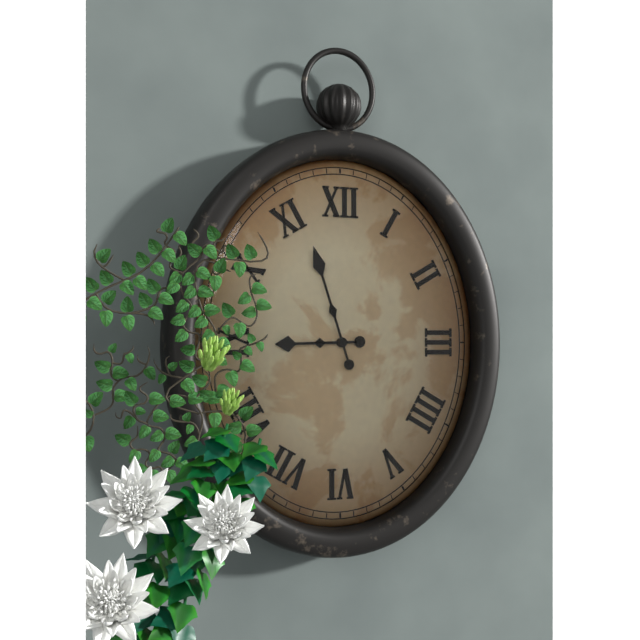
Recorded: **8:57**
